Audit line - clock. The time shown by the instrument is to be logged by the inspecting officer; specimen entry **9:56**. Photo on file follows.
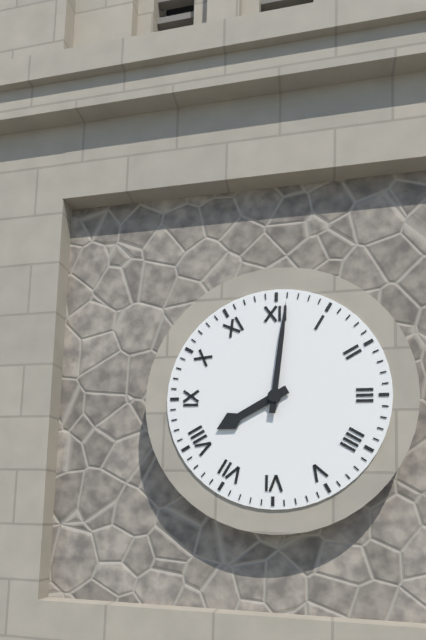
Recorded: **8:01**
